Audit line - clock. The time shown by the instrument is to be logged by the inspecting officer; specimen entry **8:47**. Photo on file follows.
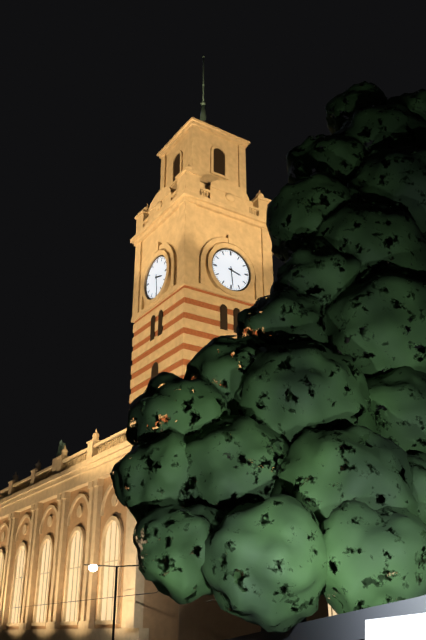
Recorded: **3:29**
